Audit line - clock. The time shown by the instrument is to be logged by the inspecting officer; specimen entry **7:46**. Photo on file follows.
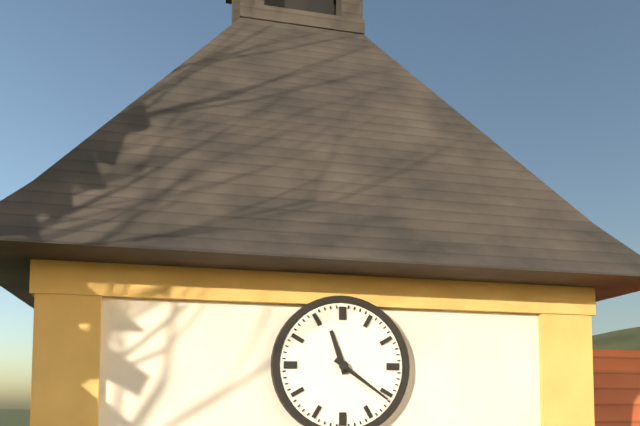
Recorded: **11:21**
